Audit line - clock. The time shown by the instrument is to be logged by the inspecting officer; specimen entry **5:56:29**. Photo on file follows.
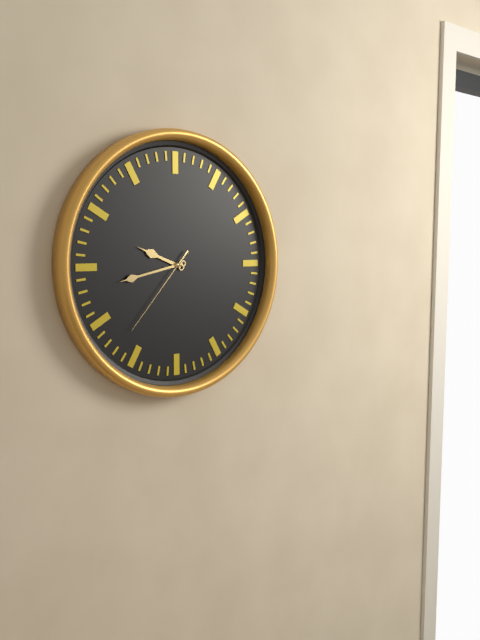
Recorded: **9:43:37**
